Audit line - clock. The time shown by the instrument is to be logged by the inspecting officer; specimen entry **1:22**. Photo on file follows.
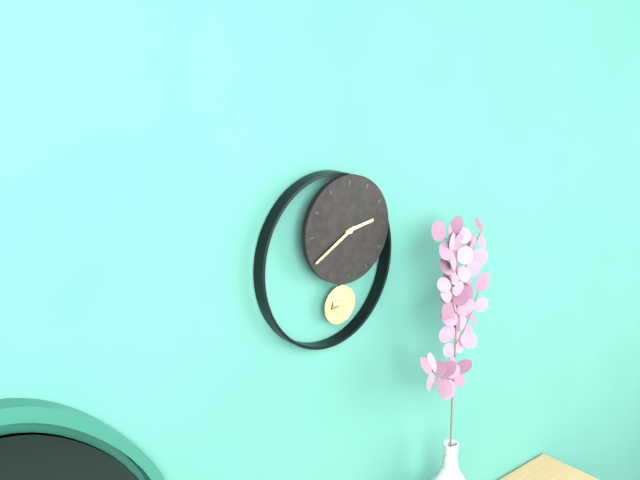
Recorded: **2:40**
